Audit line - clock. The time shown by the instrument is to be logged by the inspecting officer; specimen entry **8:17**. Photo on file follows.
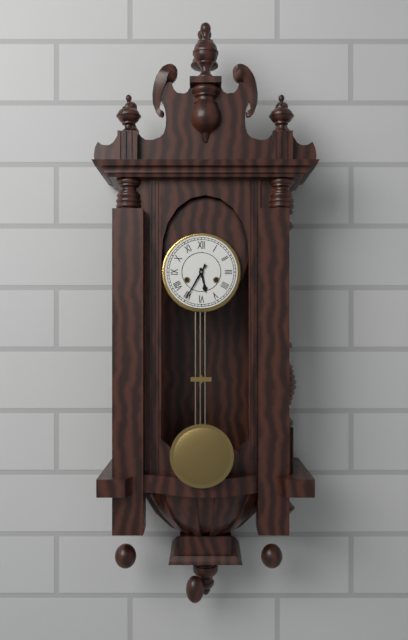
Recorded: **5:35**
